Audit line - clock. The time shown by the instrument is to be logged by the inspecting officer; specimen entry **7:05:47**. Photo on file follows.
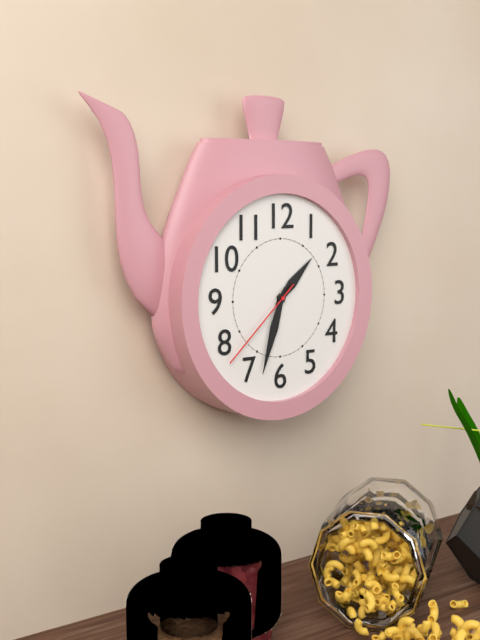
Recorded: **1:33:38**
